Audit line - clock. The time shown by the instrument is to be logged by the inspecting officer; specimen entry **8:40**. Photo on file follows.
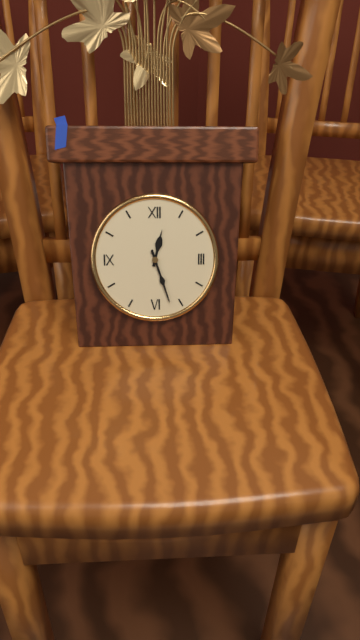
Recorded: **12:27**
